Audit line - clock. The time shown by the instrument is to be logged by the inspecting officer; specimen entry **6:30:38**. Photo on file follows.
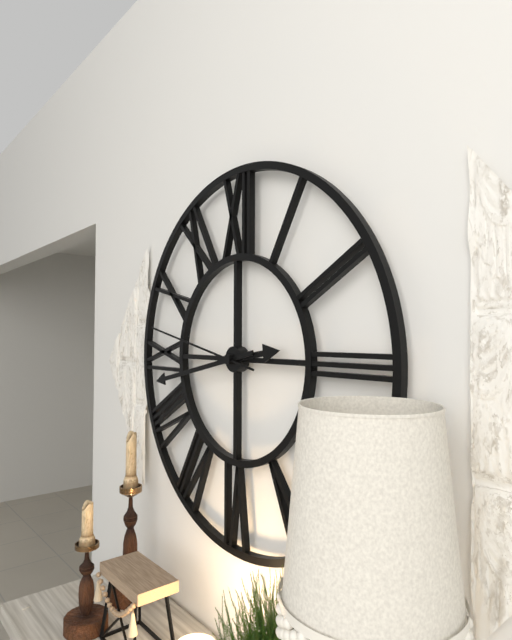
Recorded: **2:43:47**
